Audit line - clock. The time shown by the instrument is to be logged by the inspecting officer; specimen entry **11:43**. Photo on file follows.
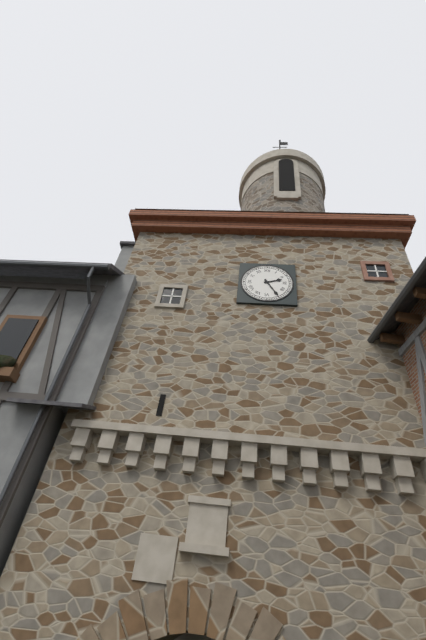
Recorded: **2:25**
